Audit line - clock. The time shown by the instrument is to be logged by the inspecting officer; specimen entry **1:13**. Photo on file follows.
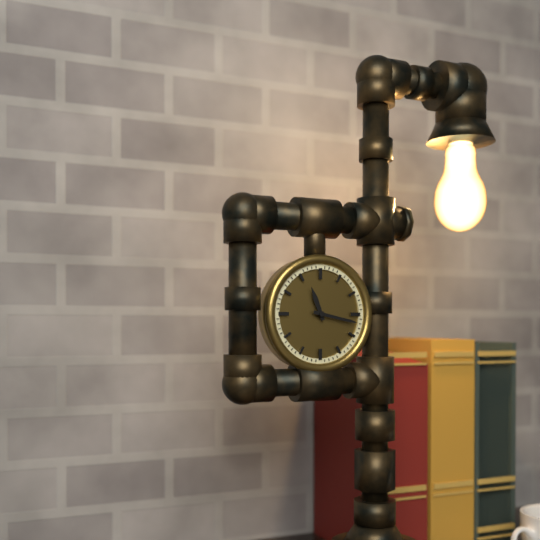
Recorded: **11:17**
